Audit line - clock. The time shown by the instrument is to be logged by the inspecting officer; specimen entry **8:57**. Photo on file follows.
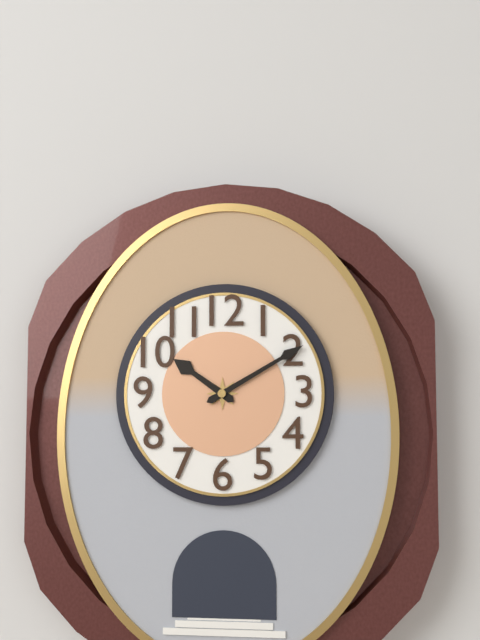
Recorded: **10:10**
